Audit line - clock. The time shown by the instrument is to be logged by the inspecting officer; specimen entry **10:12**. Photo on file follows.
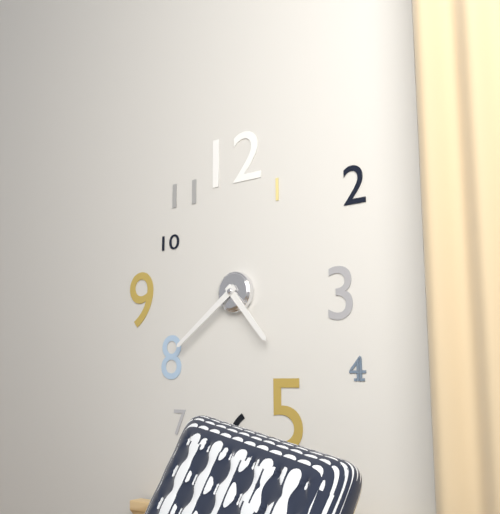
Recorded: **4:39**
